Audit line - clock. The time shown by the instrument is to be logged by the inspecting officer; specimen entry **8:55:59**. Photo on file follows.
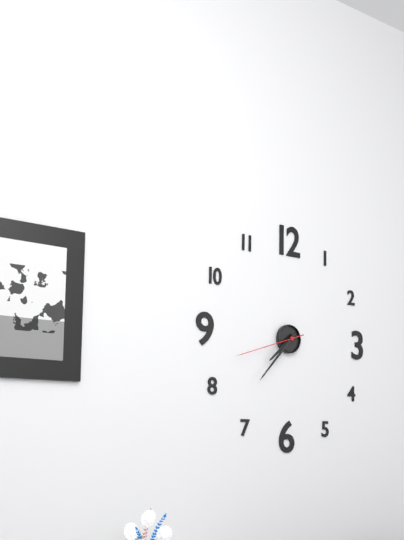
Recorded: **7:37:42**
